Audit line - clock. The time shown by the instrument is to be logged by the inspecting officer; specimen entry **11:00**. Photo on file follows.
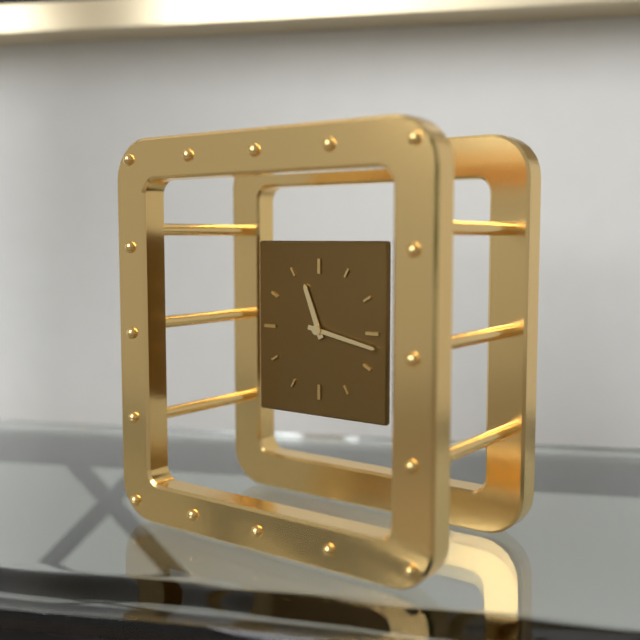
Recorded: **11:17**
